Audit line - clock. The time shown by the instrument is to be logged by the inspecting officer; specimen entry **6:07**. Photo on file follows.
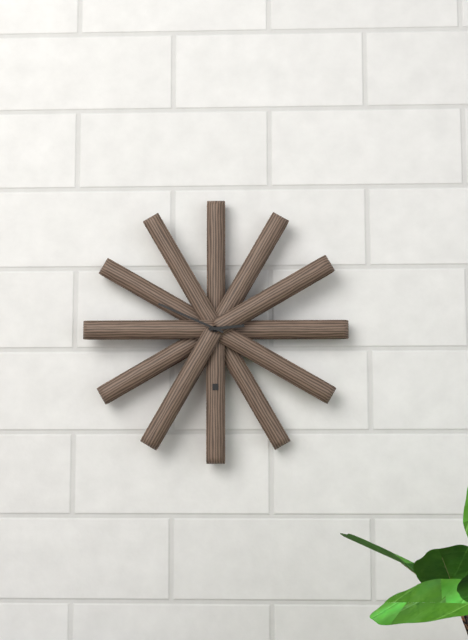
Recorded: **2:49**
